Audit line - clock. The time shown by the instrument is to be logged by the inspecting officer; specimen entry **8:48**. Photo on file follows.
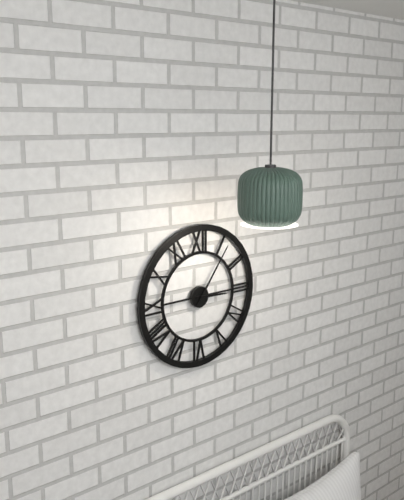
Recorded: **3:06**
